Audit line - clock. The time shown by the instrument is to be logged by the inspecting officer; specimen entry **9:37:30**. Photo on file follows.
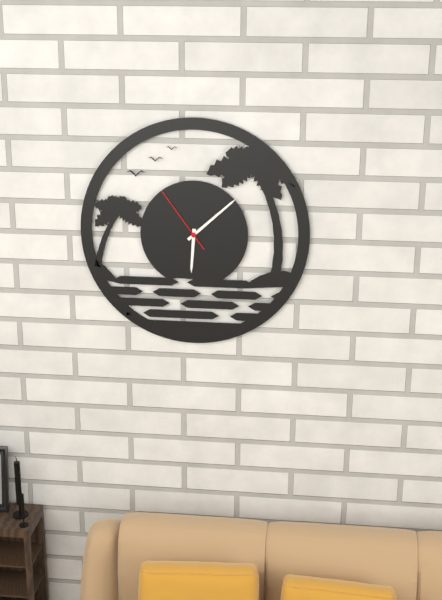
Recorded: **6:08:54**
